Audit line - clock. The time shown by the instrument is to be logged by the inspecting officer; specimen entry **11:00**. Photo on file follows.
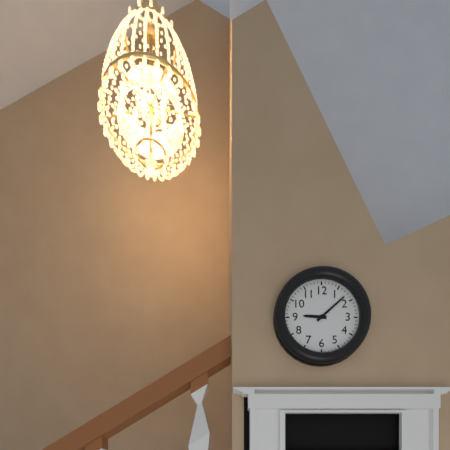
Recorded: **9:08**
